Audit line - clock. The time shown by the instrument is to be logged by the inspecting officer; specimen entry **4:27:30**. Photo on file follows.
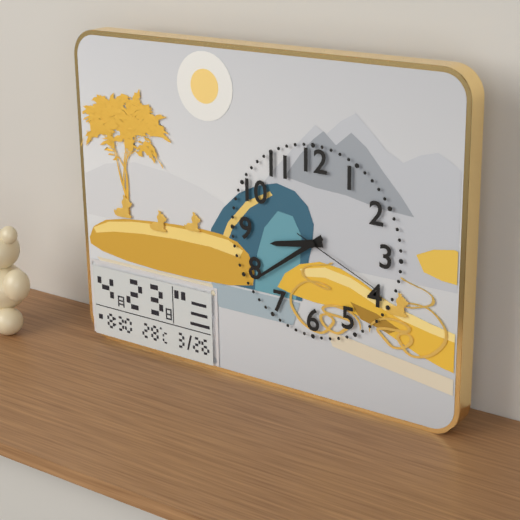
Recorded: **8:39:19**
